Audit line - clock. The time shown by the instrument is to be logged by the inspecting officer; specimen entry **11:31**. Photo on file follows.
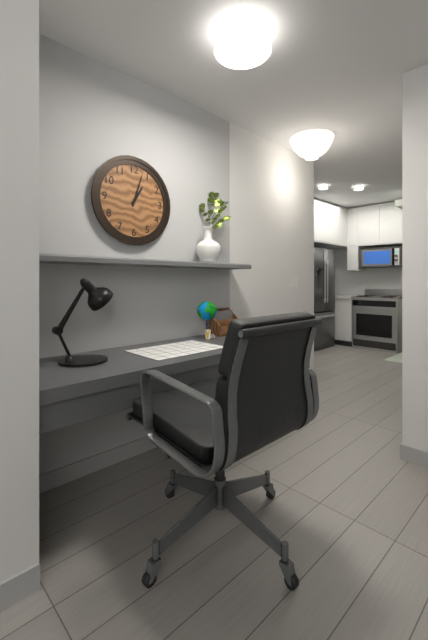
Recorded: **1:03**
